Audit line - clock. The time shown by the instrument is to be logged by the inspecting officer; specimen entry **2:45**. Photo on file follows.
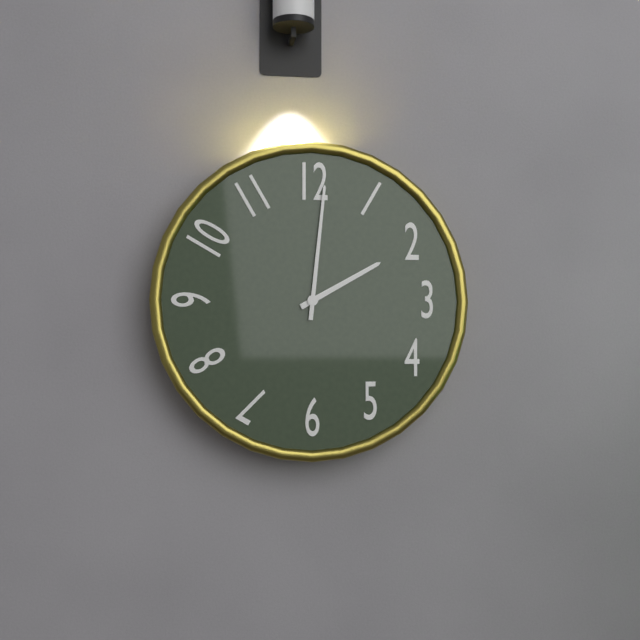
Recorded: **2:01**
